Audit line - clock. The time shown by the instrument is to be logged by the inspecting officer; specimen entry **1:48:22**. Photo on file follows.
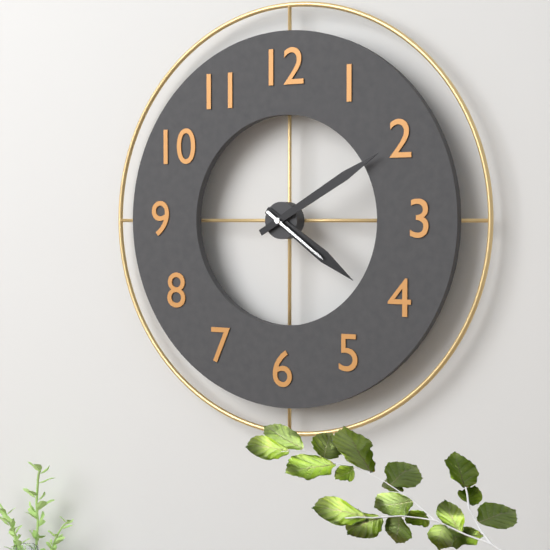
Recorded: **4:10:21**
